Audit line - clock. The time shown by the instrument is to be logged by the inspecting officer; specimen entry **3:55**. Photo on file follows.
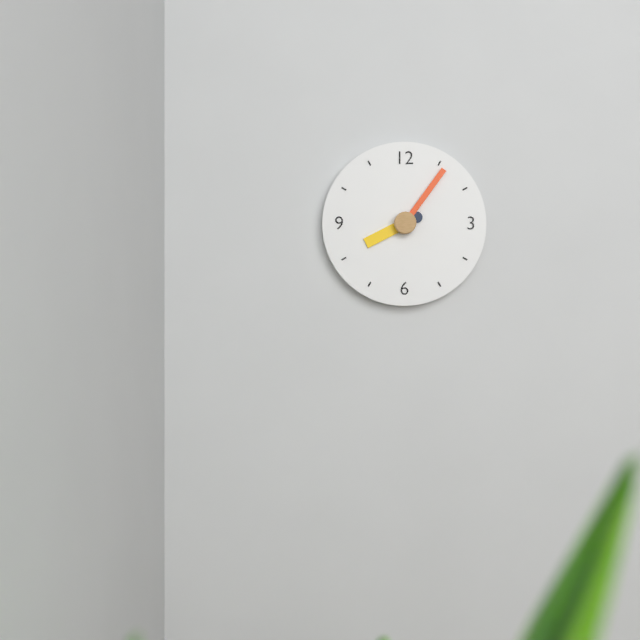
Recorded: **8:06**
